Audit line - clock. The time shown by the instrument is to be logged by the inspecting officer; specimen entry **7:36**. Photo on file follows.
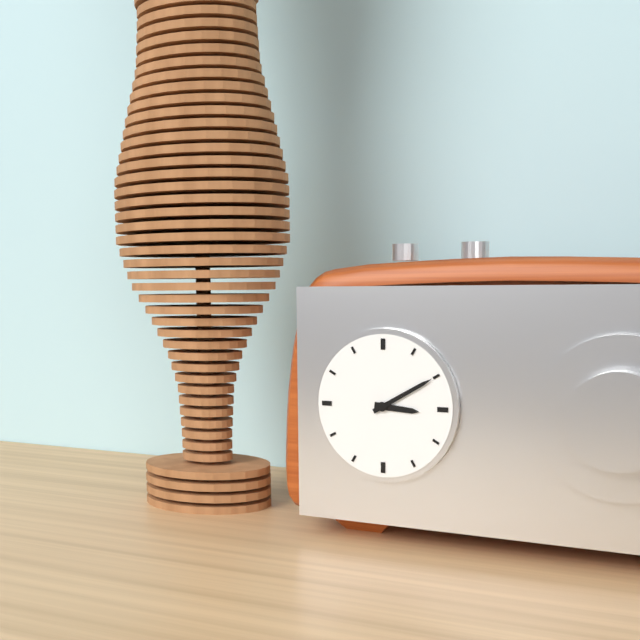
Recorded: **3:10**
